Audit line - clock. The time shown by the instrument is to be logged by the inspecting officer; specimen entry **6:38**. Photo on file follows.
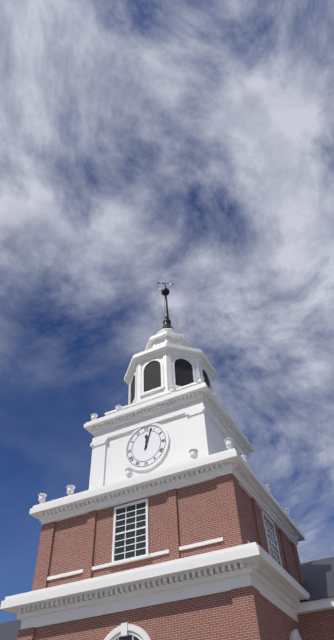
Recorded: **12:03**
